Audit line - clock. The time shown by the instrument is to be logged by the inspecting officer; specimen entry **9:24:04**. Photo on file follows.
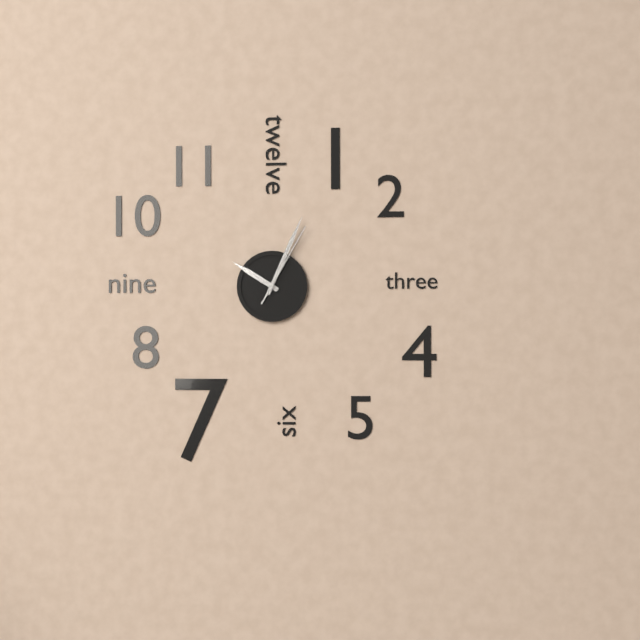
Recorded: **10:04:05**
